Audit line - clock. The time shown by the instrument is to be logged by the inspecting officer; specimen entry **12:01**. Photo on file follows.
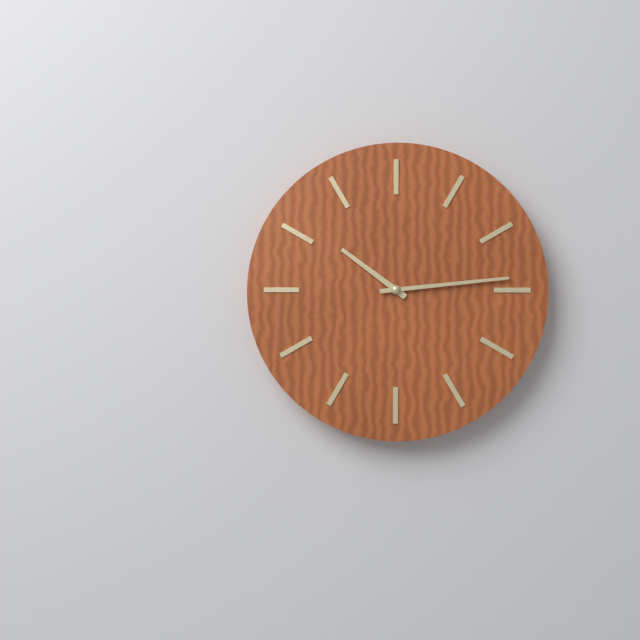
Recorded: **10:14**
